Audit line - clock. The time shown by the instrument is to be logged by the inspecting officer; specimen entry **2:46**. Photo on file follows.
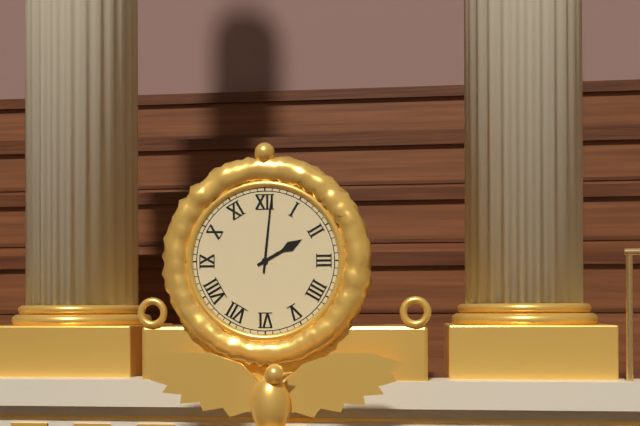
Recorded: **2:01**
